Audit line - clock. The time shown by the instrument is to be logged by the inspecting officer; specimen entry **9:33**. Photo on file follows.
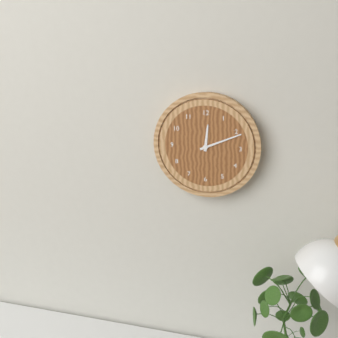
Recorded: **12:11**
